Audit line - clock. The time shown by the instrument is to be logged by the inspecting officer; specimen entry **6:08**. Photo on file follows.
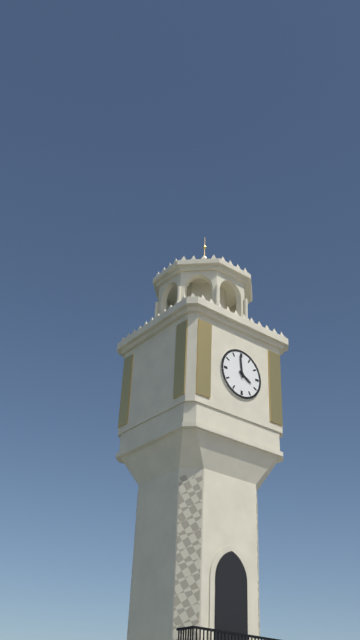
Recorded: **3:59**
